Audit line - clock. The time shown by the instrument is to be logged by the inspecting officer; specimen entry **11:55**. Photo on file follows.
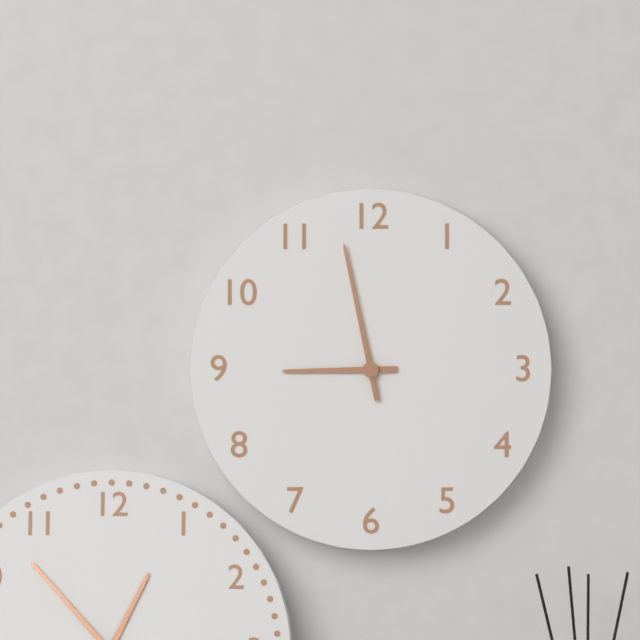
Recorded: **8:58**
